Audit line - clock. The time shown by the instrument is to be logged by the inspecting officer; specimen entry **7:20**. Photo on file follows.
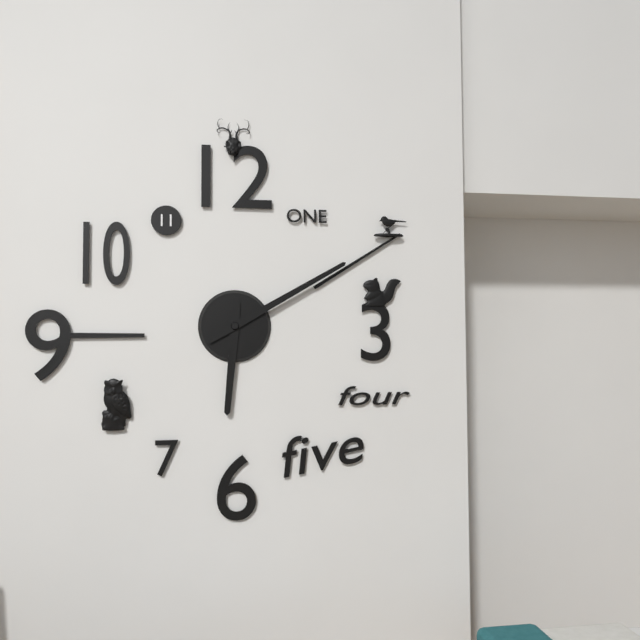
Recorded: **6:10**
